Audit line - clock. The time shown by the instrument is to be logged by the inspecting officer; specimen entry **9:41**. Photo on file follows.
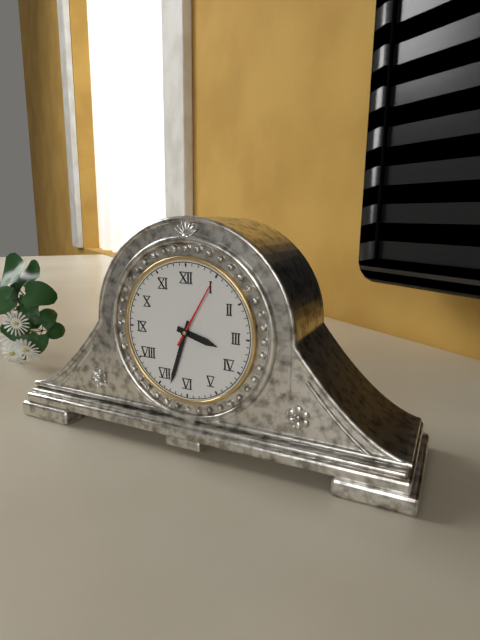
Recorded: **3:33**
